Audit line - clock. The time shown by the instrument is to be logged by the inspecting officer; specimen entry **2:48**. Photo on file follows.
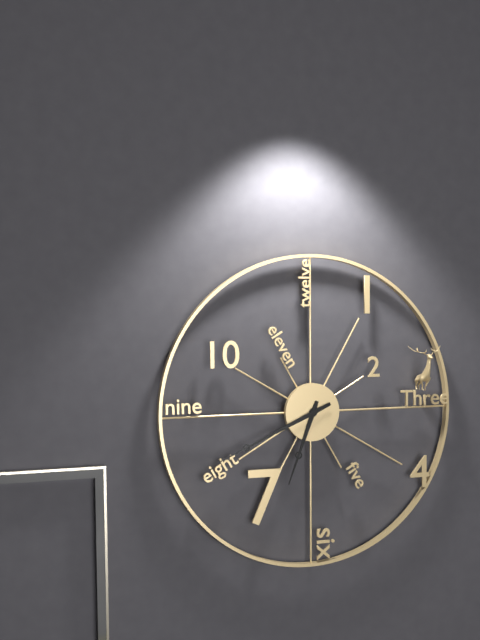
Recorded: **6:41**
